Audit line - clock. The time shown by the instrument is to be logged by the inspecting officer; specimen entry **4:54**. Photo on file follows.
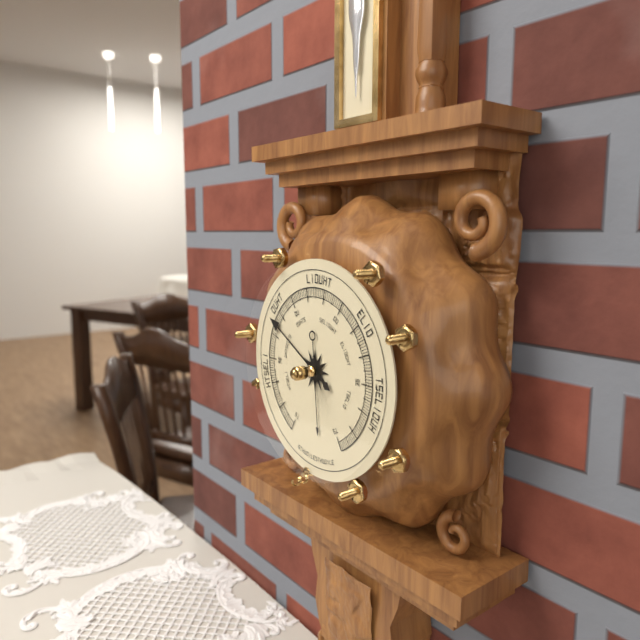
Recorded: **5:50**
